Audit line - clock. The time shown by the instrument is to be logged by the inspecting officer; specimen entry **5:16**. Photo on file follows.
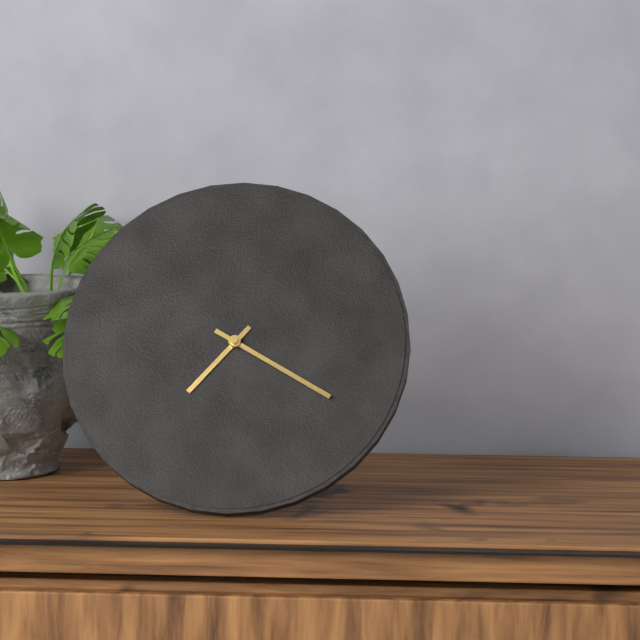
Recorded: **7:20**
